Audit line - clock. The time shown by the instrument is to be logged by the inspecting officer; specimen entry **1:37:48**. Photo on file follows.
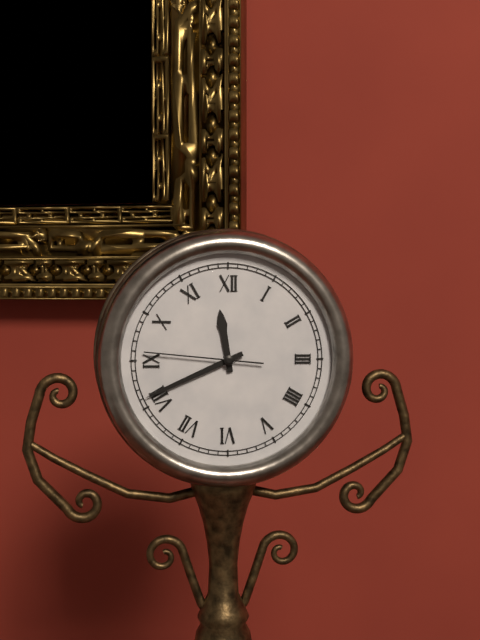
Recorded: **11:41:46**
